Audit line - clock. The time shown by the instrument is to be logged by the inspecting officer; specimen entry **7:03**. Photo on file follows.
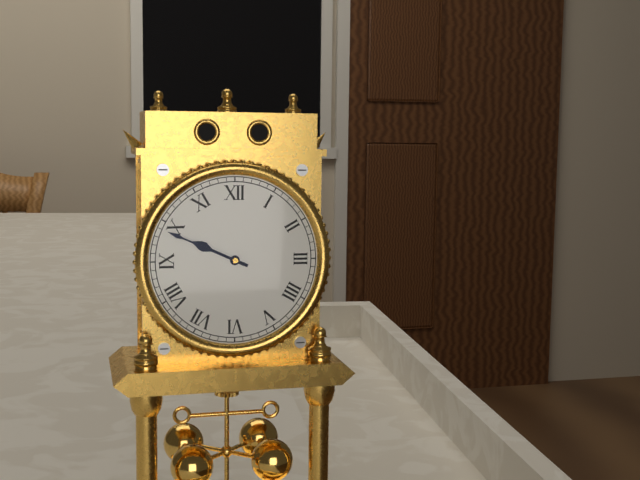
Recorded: **9:49**
